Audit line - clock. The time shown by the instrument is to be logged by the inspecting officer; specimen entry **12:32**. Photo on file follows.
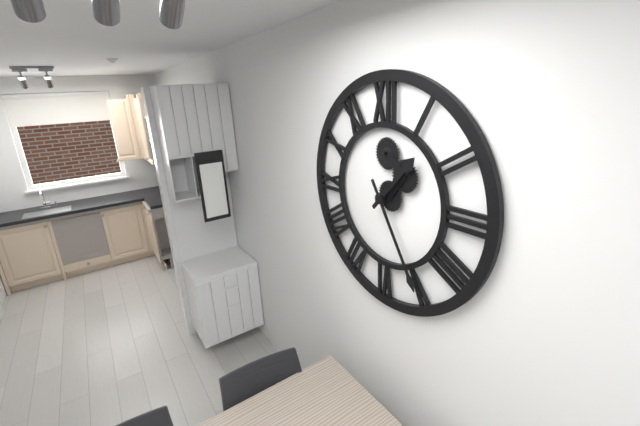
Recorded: **1:25**
